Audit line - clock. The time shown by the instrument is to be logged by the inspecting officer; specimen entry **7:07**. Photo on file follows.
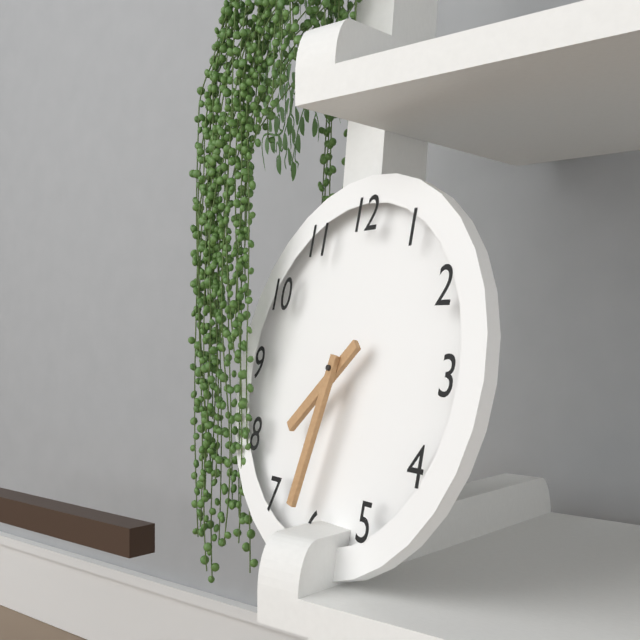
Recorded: **7:32**
